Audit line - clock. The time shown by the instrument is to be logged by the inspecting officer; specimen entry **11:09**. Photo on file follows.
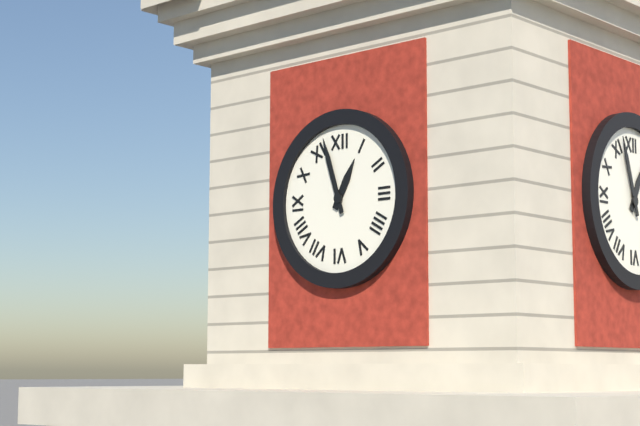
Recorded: **12:57**
